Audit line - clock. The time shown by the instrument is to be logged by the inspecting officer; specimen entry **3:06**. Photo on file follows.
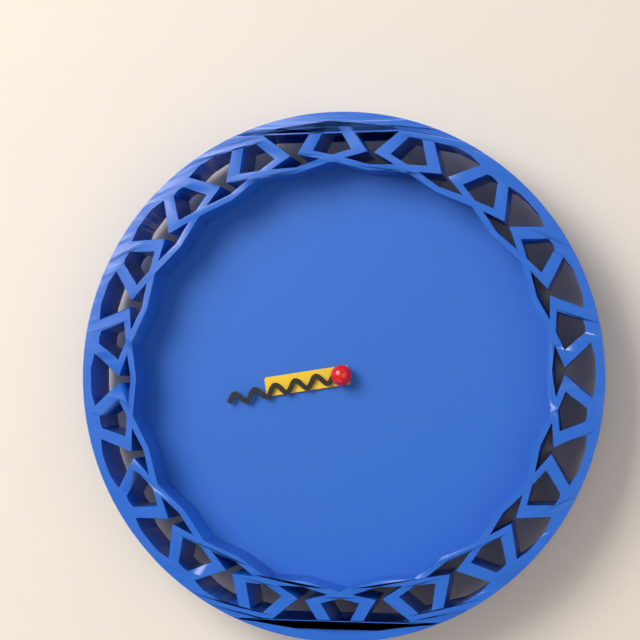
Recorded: **8:43**
